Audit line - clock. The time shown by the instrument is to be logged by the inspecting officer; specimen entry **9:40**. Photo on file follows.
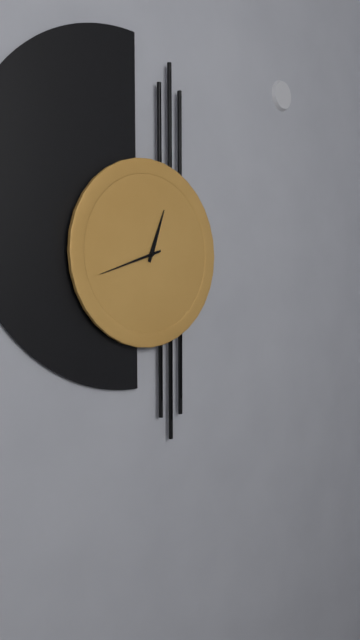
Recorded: **12:42**
